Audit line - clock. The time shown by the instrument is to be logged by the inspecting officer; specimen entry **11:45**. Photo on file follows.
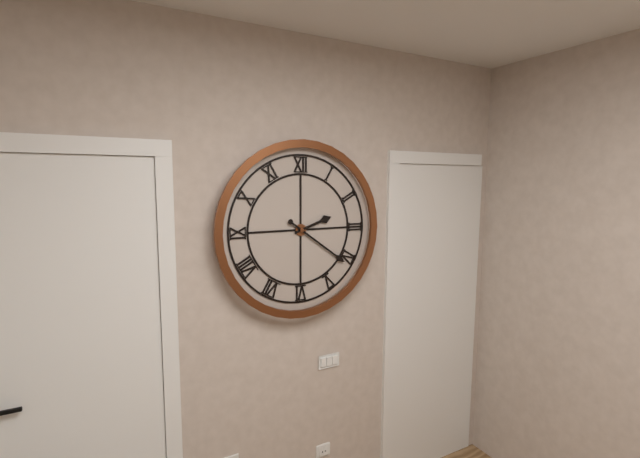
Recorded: **2:21**
